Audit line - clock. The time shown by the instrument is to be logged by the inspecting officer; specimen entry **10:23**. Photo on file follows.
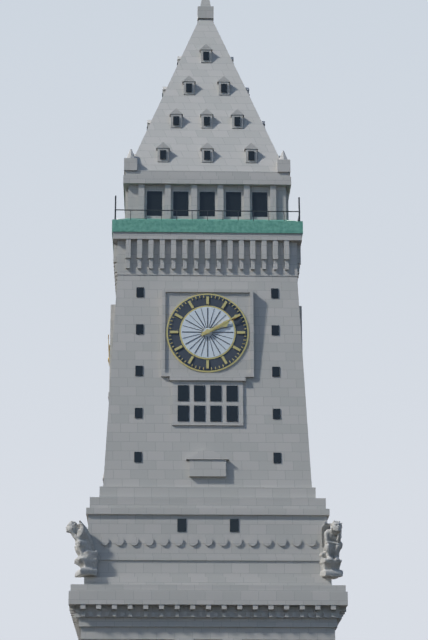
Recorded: **2:10**
